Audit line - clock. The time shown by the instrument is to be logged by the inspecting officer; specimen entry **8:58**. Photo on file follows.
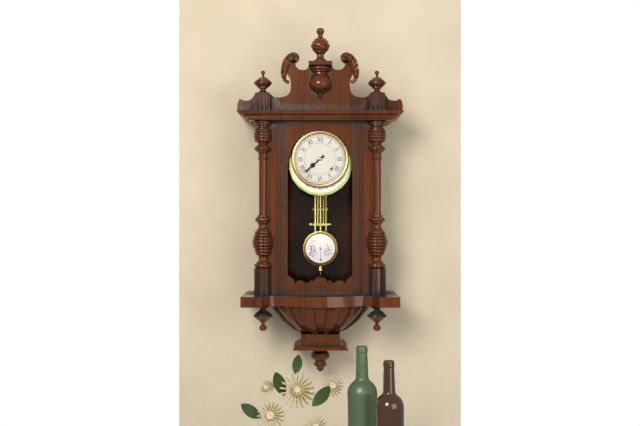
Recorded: **7:38**
